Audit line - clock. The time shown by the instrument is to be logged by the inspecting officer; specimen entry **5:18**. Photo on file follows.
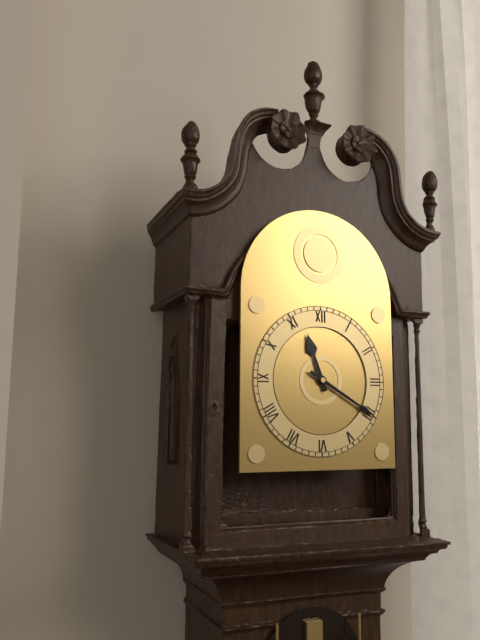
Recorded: **11:20**
